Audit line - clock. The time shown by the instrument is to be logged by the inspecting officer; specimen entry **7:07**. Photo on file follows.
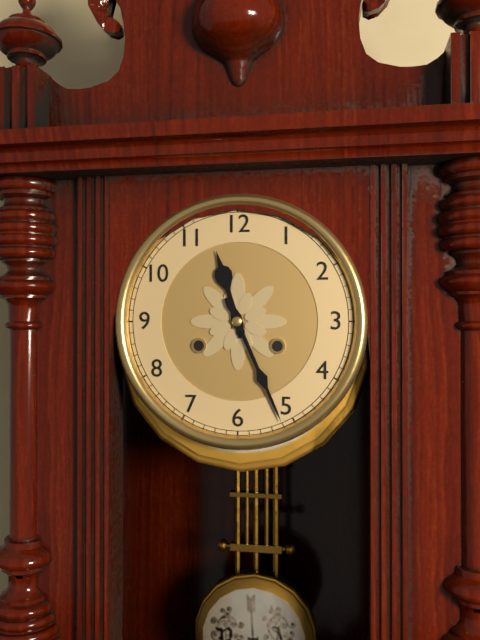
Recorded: **11:26**
